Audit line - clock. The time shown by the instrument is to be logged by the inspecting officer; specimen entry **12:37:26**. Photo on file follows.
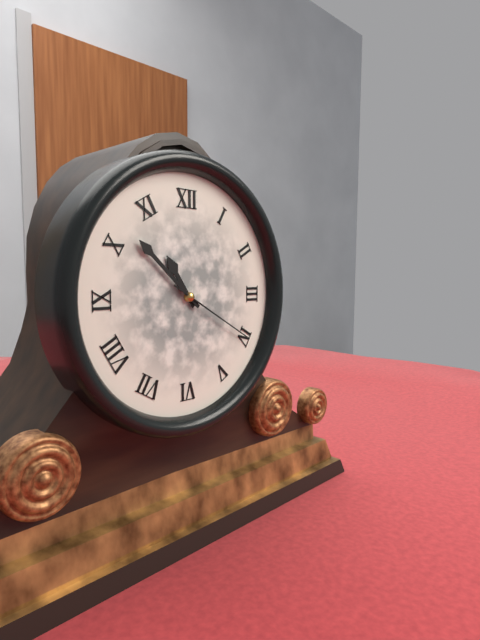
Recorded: **10:52:20**
